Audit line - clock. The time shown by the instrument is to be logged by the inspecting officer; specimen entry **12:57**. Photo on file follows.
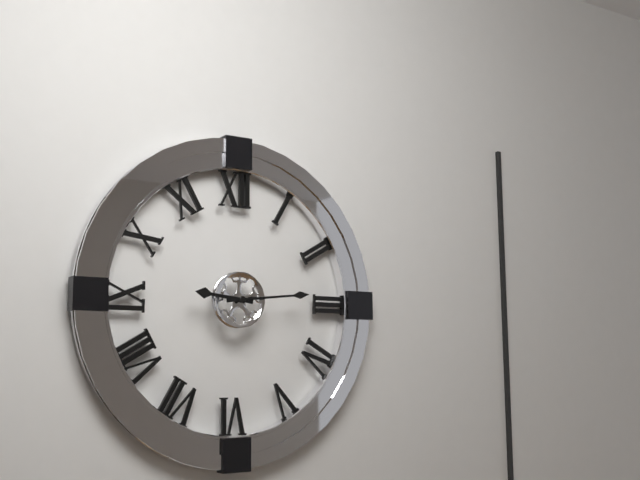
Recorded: **9:14**
